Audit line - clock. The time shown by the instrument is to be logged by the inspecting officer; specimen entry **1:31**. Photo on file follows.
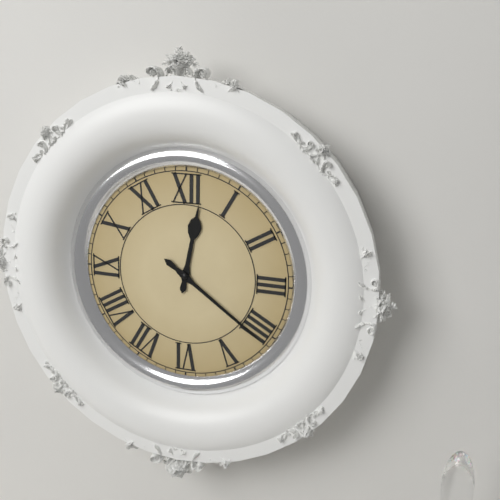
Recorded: **12:21**
